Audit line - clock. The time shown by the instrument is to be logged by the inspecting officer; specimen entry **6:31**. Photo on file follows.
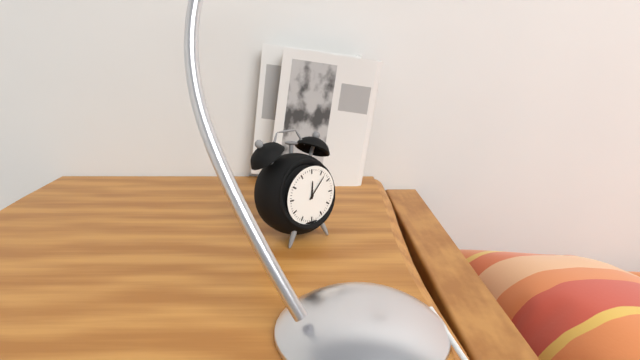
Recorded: **12:07**
